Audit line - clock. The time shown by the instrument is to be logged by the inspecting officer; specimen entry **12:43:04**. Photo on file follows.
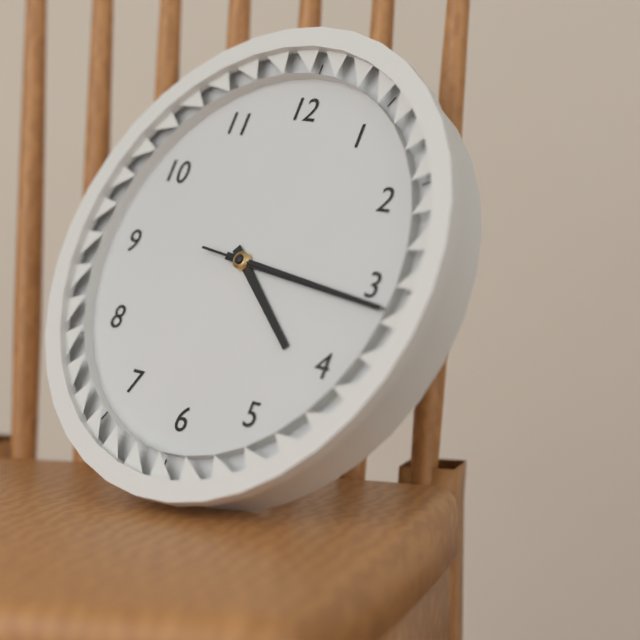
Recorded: **4:16:16**
